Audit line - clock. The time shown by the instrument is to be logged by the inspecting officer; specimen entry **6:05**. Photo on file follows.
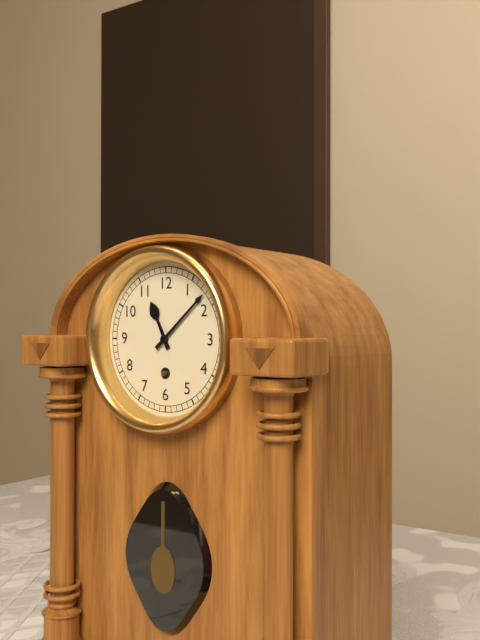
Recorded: **11:08**
